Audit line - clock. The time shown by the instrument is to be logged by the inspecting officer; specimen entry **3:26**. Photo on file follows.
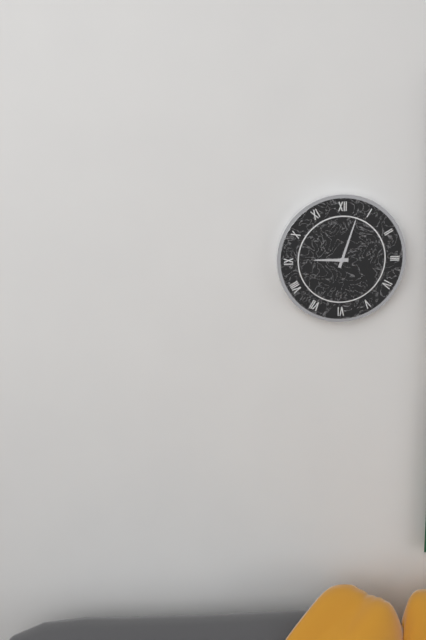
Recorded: **9:03**
